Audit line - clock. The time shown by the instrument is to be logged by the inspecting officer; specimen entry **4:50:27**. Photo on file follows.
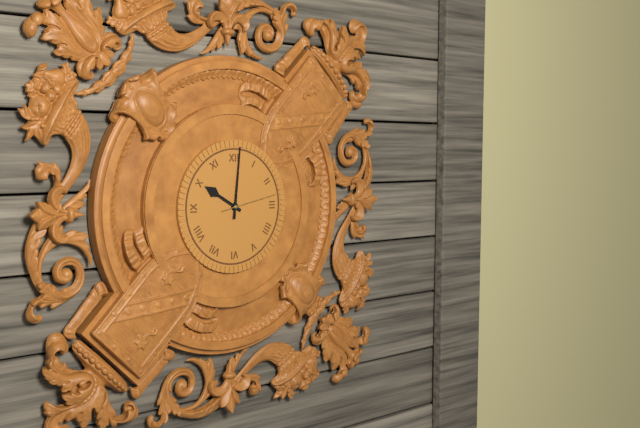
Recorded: **10:01:13**
